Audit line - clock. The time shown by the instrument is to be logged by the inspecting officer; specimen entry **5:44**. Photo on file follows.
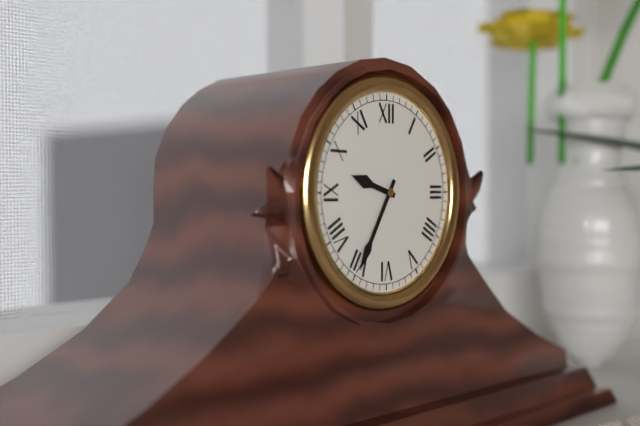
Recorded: **9:35**
